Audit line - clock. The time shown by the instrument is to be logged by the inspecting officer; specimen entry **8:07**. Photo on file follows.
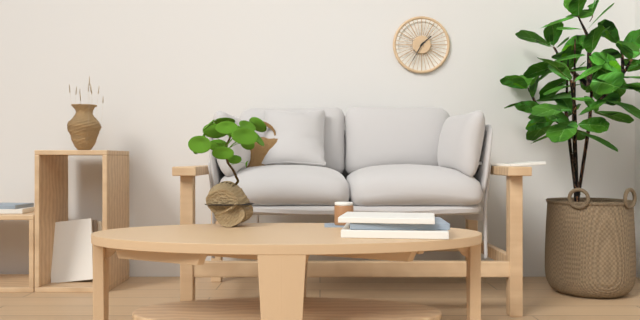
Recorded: **1:35**
